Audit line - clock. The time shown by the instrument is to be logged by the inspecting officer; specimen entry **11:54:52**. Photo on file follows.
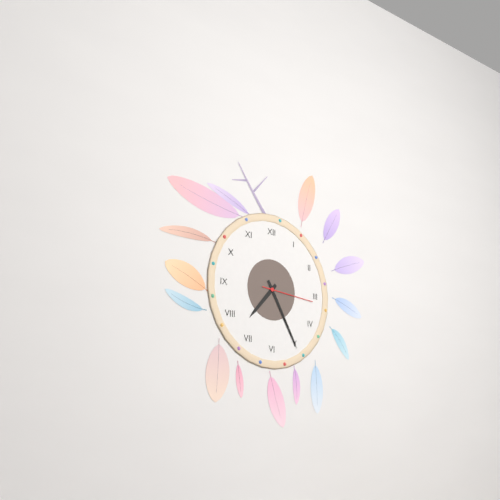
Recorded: **7:25:16**
